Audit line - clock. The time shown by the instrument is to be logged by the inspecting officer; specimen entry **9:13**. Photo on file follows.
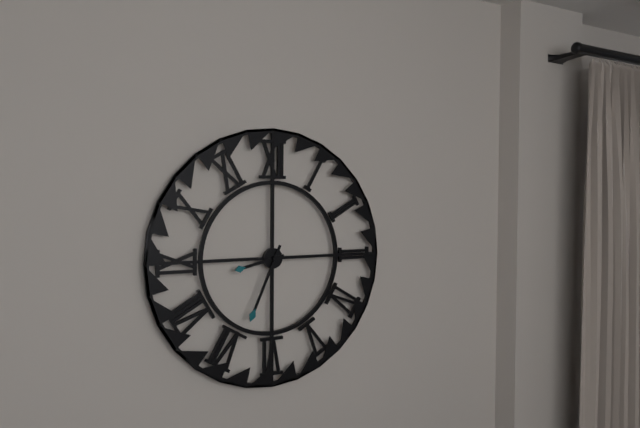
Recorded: **8:34**
